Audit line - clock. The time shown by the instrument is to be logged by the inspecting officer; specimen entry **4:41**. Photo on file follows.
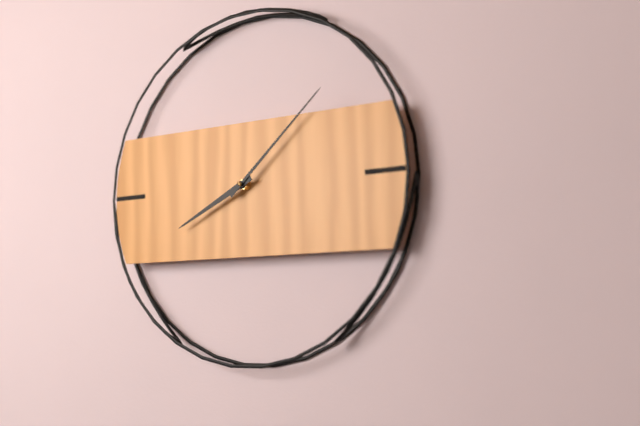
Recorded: **8:08**
